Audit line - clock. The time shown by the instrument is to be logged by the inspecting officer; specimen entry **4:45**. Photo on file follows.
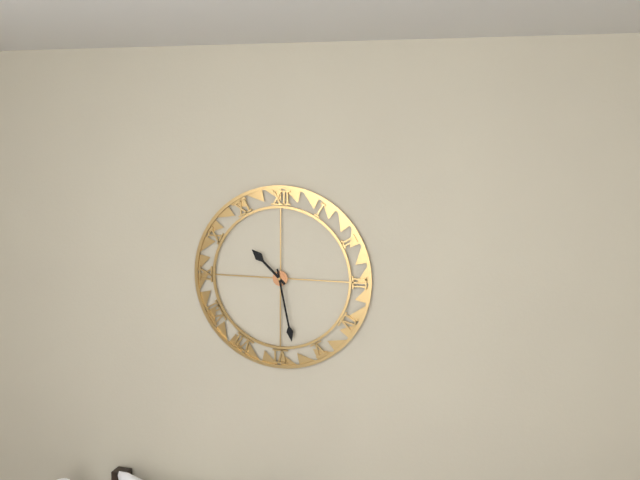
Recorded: **10:28**
